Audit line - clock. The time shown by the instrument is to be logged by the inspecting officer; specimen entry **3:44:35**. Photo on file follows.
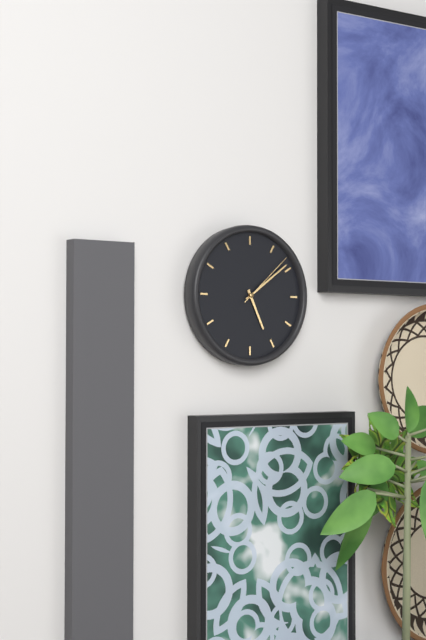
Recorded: **5:09:08**
